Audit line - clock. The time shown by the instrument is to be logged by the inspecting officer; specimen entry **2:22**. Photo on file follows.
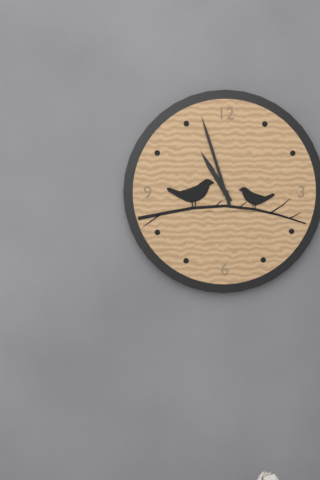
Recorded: **10:57**
